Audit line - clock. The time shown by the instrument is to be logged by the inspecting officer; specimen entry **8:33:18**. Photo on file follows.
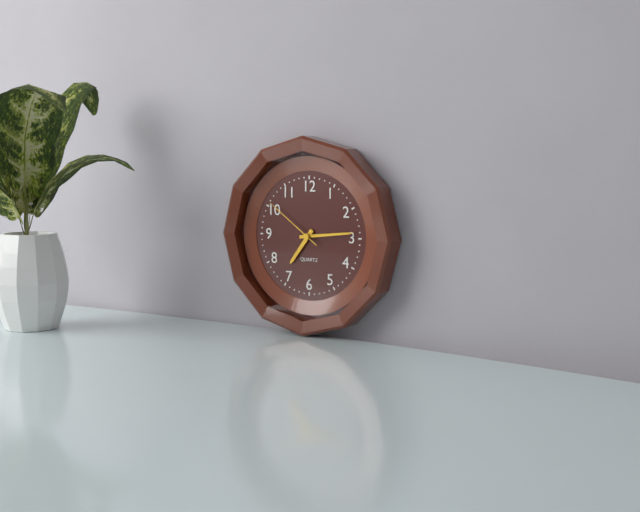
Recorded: **7:14:51**
